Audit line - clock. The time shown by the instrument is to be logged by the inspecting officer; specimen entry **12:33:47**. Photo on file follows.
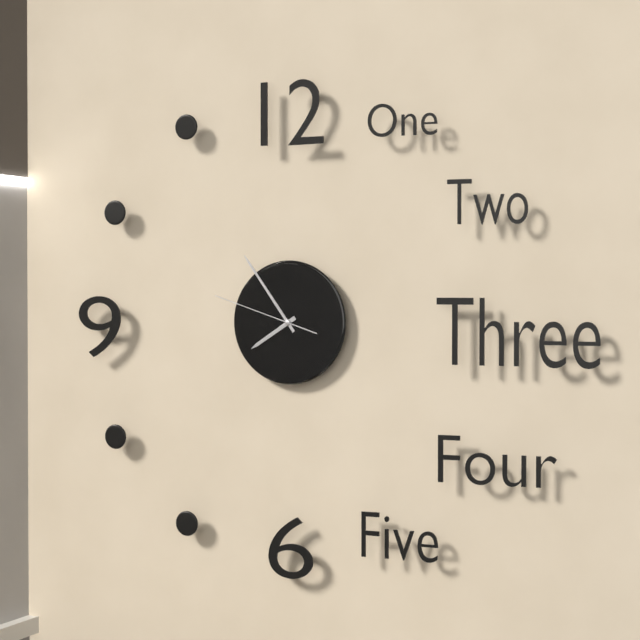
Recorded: **7:54:48**
